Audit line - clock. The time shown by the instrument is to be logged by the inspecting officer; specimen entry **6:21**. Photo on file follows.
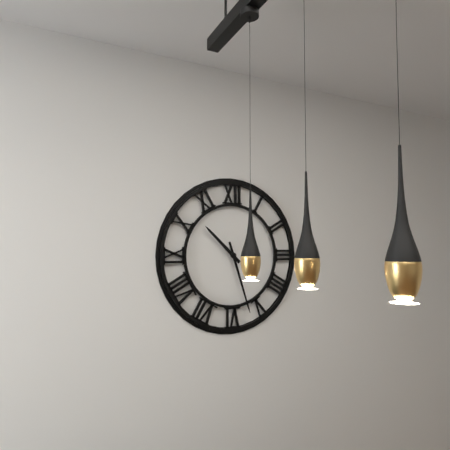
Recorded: **10:27**
